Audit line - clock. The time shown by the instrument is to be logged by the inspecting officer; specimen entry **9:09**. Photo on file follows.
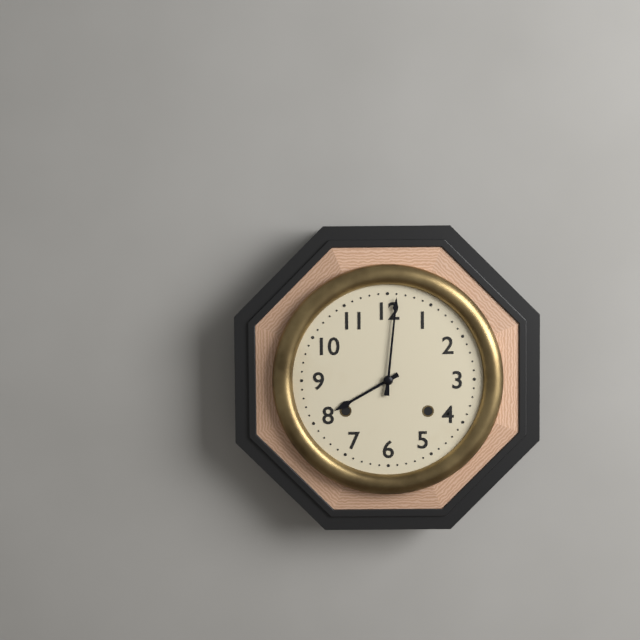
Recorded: **8:01**
